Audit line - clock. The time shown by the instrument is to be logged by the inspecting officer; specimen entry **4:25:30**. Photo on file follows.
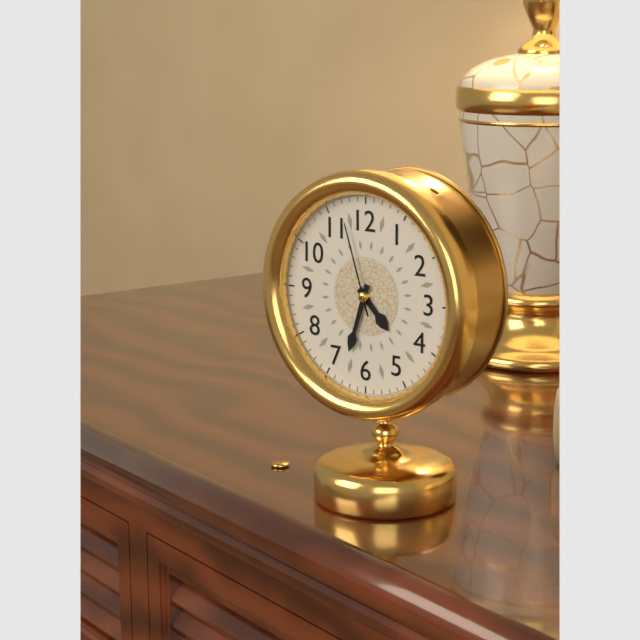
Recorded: **4:33:57**
